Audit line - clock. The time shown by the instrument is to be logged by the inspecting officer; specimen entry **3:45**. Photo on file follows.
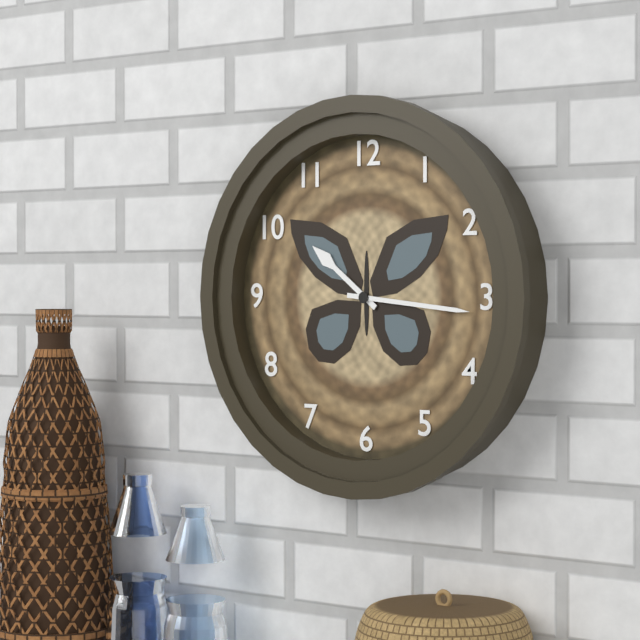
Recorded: **10:16**
